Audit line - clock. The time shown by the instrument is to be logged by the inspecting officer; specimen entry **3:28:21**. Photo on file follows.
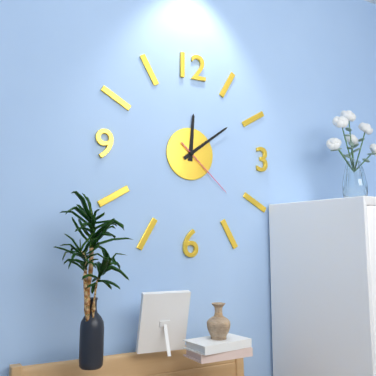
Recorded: **12:09:22**
